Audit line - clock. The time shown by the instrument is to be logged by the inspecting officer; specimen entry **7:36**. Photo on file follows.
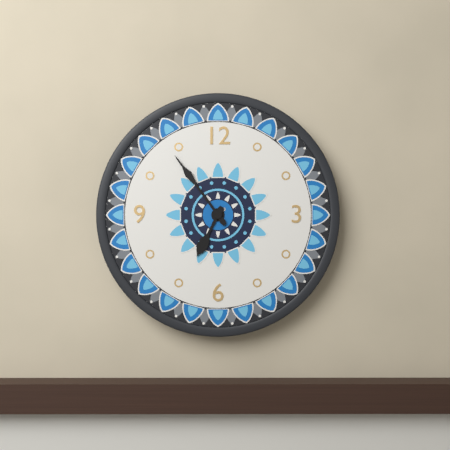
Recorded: **6:54**
